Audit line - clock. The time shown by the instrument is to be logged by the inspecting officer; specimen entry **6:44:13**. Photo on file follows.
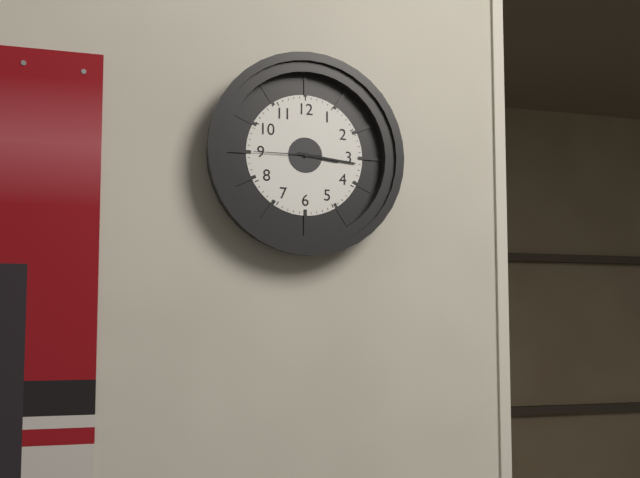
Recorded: **3:16:45**
